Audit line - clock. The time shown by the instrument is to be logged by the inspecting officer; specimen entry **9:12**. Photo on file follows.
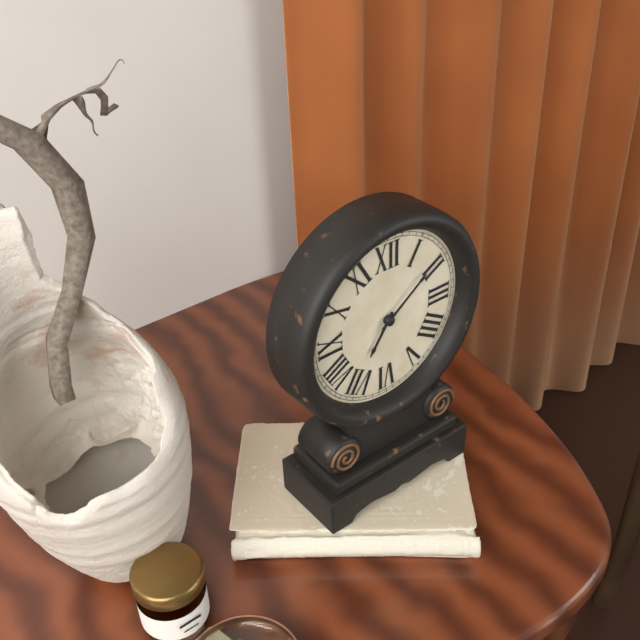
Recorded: **7:09**
